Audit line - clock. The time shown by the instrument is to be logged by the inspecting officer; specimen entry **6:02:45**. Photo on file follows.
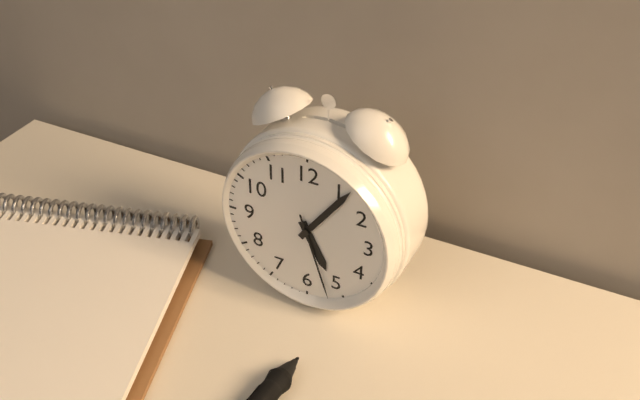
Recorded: **5:06:27**
